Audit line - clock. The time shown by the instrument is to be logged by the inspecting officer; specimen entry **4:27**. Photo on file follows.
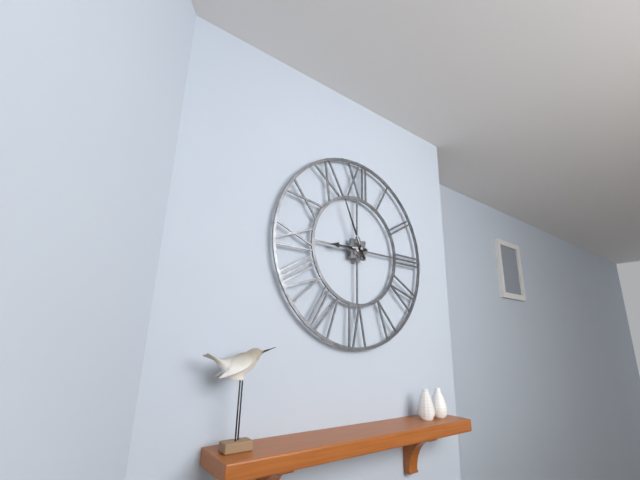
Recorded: **8:56**
